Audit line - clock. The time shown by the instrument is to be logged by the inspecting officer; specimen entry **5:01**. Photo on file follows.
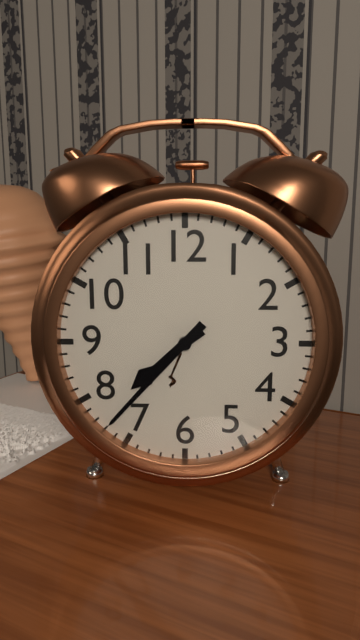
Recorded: **7:37**
